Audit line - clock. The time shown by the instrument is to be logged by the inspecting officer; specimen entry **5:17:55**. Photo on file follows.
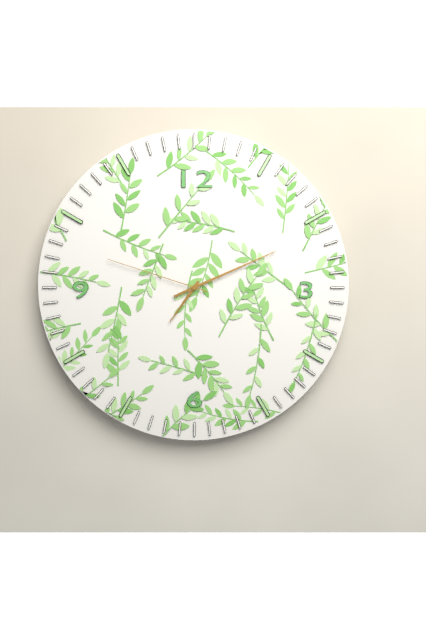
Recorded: **7:11:48**
